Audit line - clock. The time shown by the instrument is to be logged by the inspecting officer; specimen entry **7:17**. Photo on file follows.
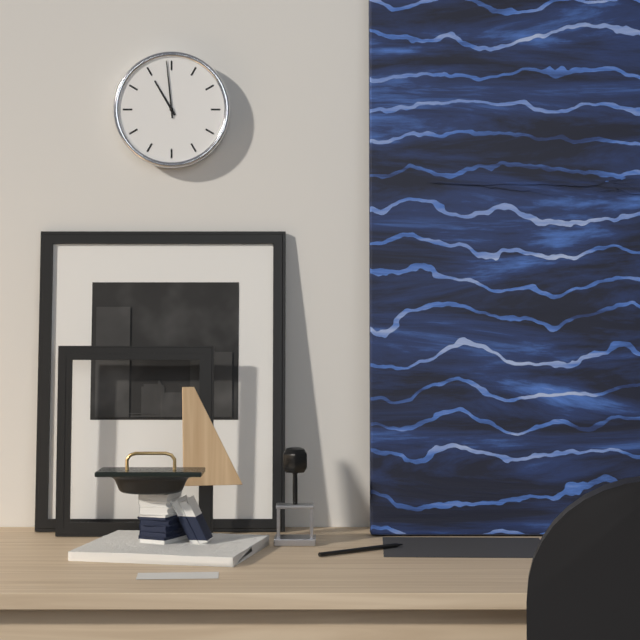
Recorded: **10:59**
